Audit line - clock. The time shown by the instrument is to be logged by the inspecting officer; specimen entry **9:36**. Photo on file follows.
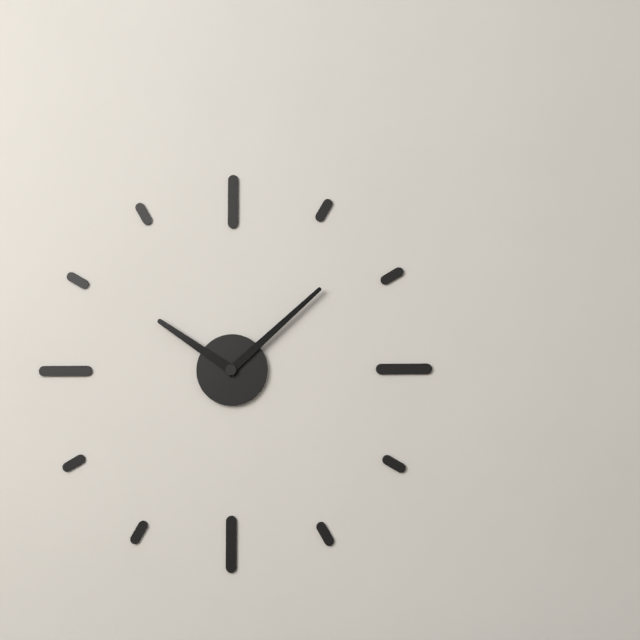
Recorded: **10:08**
